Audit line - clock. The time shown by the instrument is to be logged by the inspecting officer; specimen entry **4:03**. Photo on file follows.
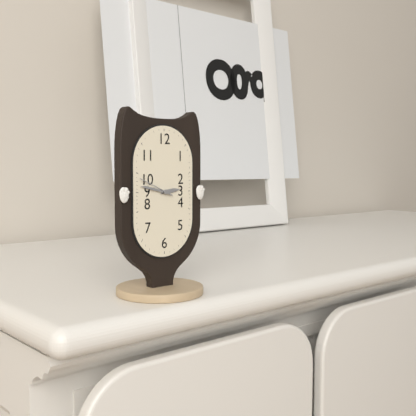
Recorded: **2:47**
